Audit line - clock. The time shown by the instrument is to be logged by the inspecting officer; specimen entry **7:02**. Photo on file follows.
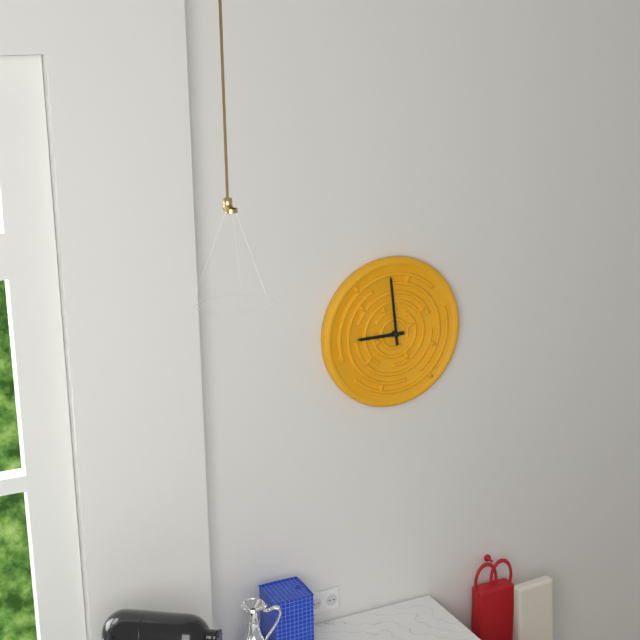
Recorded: **8:59**
